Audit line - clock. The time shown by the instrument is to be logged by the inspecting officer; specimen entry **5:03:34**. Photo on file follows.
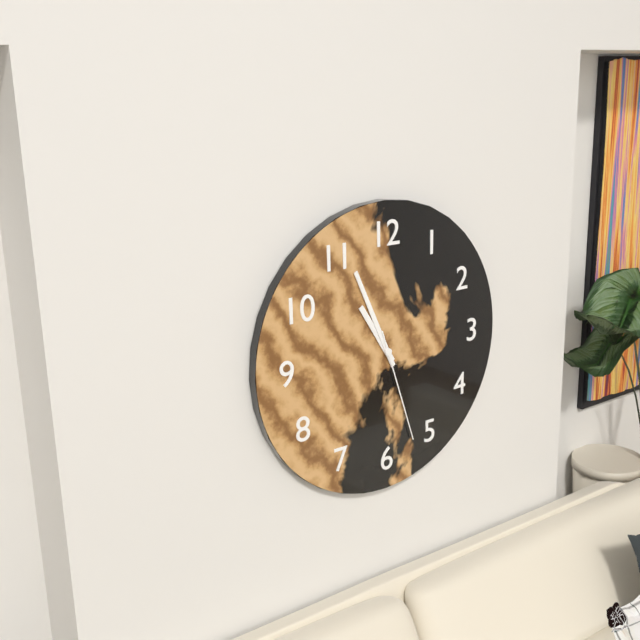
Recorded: **10:56:27**
